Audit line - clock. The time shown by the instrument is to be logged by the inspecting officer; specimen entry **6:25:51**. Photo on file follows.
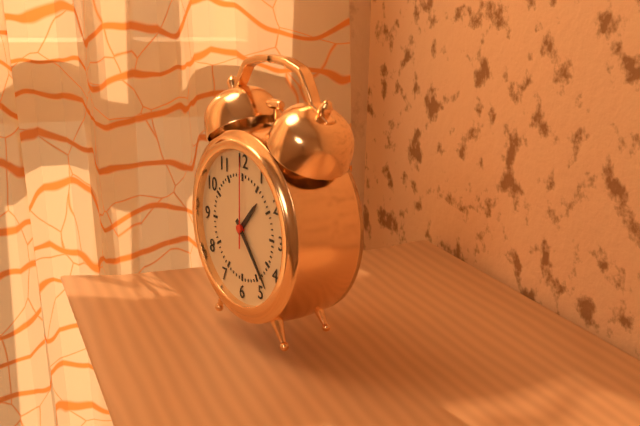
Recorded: **1:23:00**
